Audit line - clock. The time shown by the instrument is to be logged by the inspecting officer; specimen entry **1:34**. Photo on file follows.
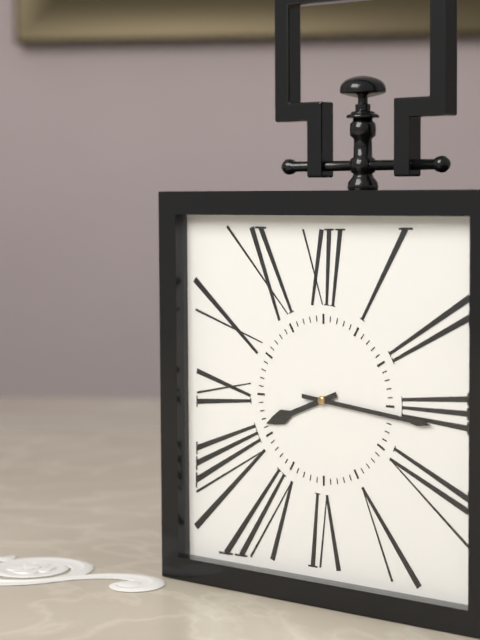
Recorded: **8:16**
